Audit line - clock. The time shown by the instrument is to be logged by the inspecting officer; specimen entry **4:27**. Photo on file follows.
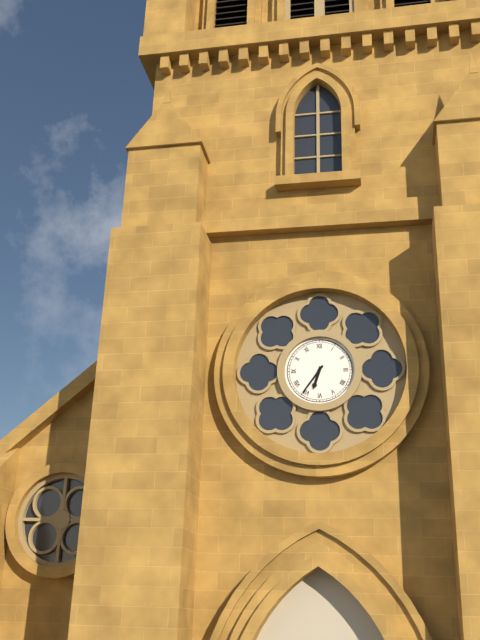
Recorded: **6:36**
